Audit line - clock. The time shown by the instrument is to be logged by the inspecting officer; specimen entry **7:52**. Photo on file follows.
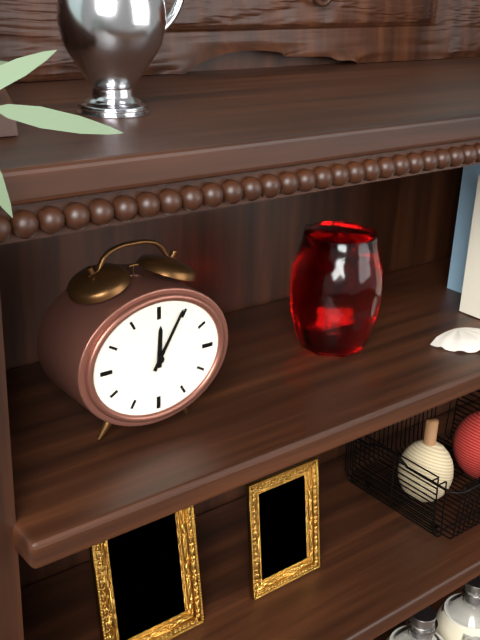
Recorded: **12:05**
